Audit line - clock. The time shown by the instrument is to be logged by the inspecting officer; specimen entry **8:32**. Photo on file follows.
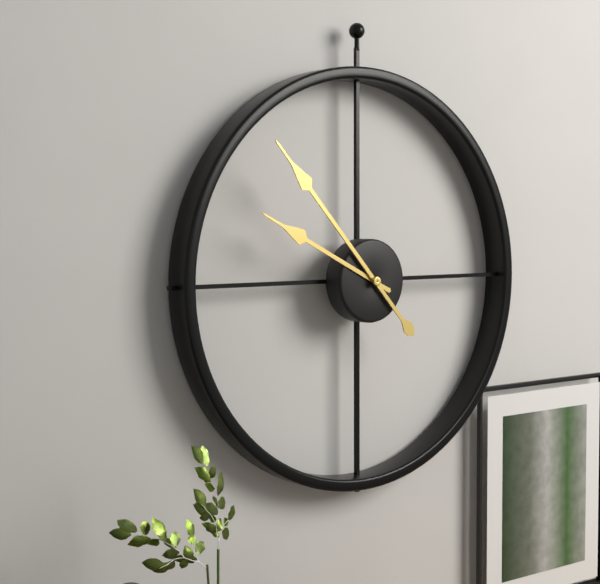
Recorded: **9:53**
